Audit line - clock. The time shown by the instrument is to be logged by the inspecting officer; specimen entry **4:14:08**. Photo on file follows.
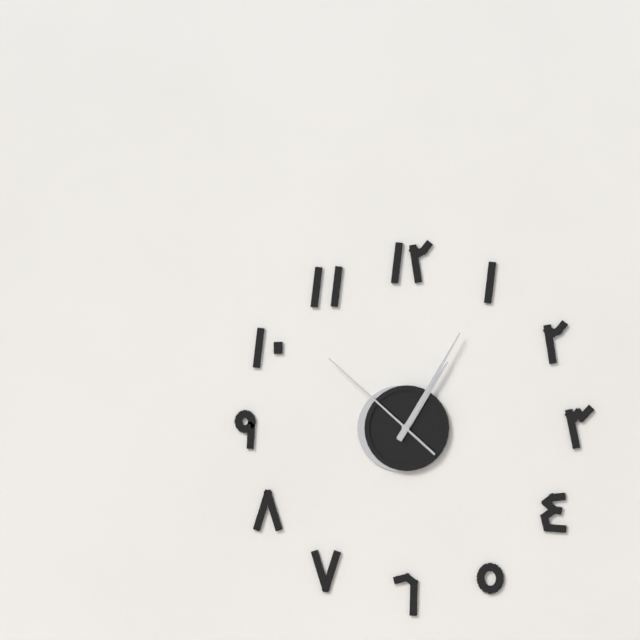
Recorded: **1:05:52**
